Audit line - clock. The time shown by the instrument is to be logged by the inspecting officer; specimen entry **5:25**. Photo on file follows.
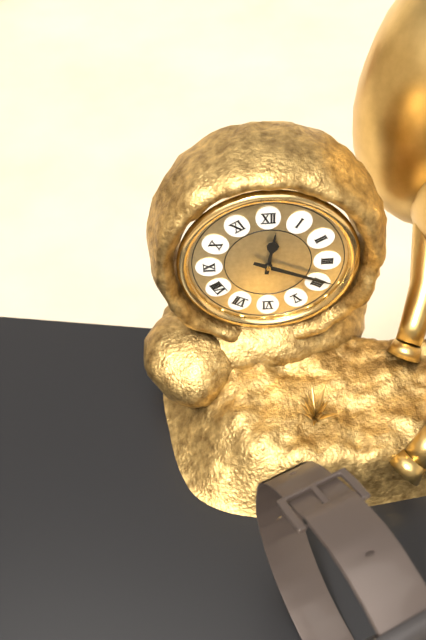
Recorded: **12:19**
